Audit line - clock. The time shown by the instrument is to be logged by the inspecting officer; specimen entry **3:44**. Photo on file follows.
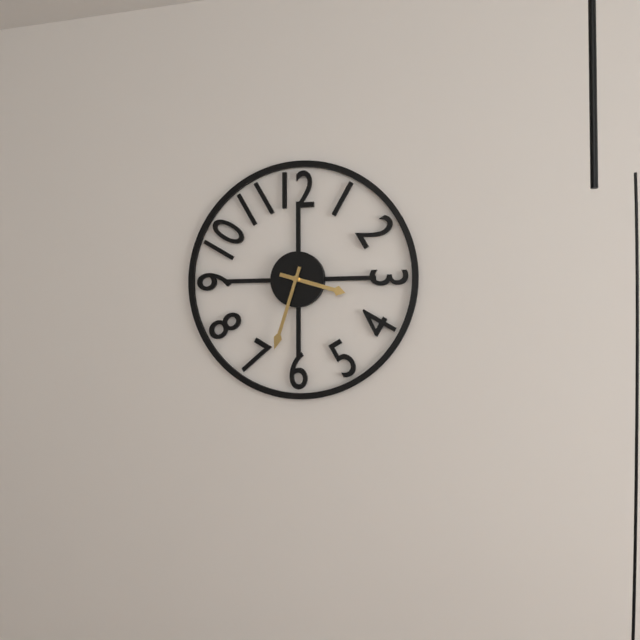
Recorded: **3:33**
